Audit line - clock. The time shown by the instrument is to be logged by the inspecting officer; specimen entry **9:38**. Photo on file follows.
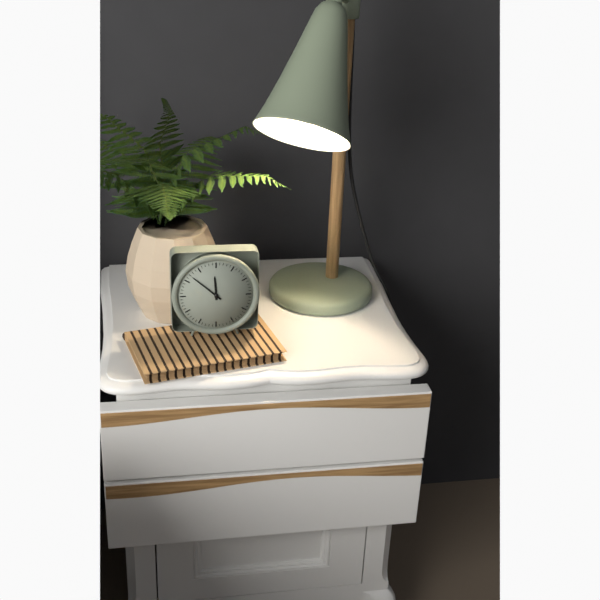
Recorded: **11:52**
